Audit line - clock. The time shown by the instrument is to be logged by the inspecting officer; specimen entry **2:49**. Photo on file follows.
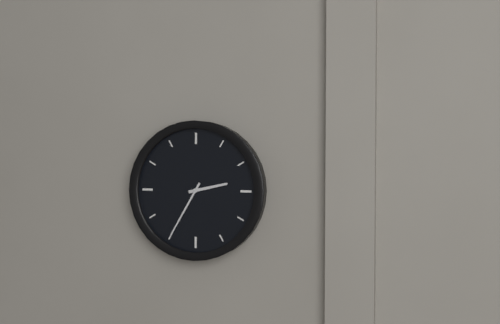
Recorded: **2:35**
